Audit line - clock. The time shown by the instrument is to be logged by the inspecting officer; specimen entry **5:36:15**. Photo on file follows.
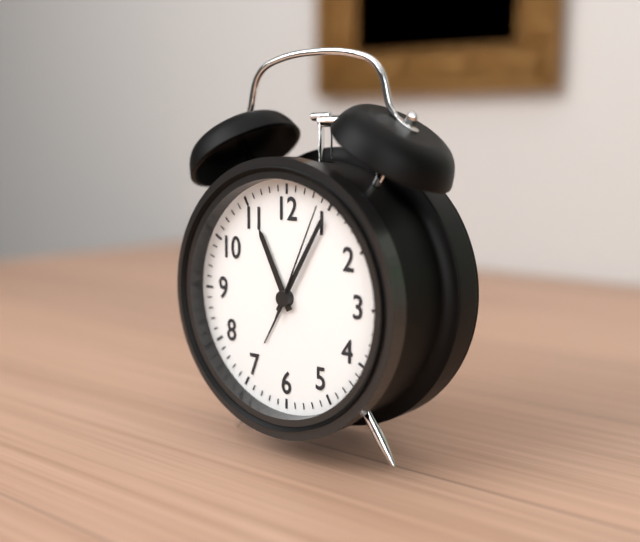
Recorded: **11:05:04**
